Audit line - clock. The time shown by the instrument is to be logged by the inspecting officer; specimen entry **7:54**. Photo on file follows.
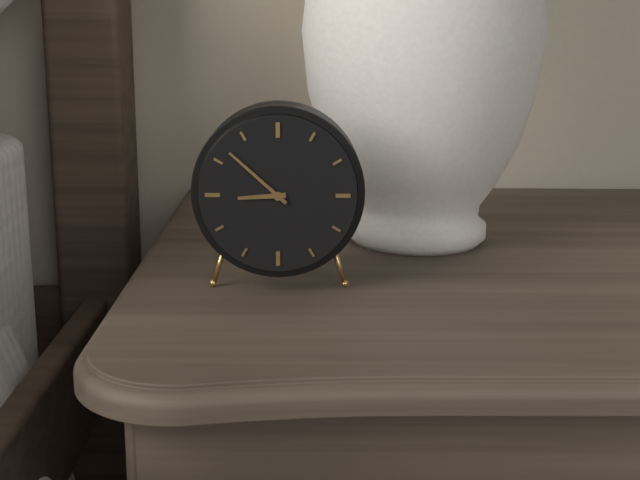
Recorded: **8:52**
